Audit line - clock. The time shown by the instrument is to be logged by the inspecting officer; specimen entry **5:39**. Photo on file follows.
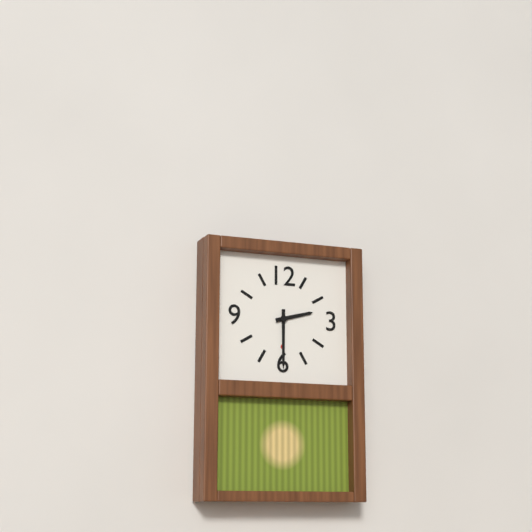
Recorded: **2:30**
